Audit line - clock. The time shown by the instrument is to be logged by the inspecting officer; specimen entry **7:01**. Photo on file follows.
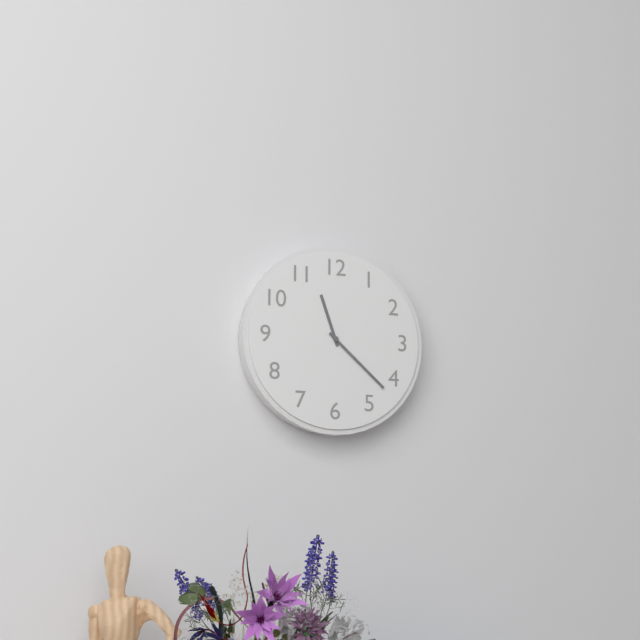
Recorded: **11:22**
